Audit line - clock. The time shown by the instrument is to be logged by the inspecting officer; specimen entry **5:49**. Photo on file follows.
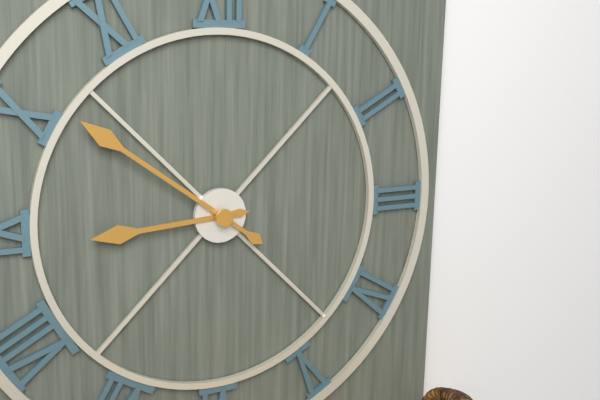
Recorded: **8:51**
